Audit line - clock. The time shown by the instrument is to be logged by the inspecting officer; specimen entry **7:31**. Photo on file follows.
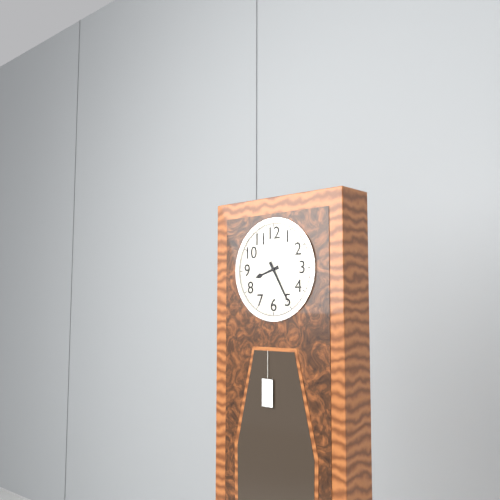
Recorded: **8:25**
